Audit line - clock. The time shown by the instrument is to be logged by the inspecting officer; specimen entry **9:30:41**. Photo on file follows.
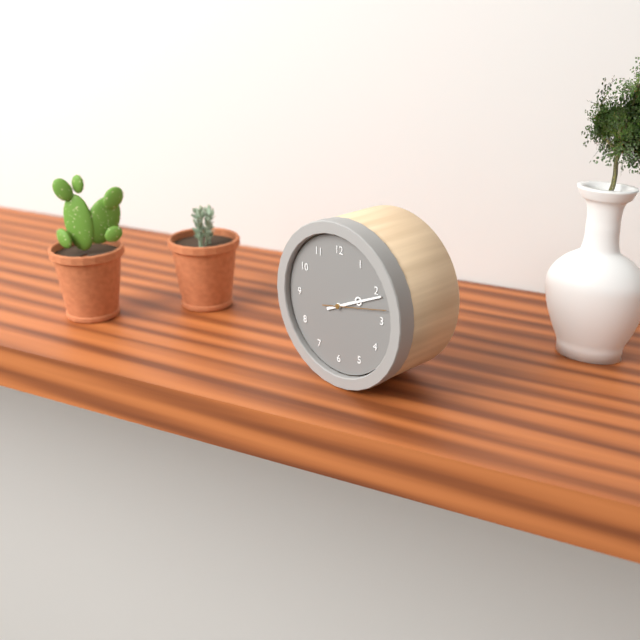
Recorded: **2:11:13**
